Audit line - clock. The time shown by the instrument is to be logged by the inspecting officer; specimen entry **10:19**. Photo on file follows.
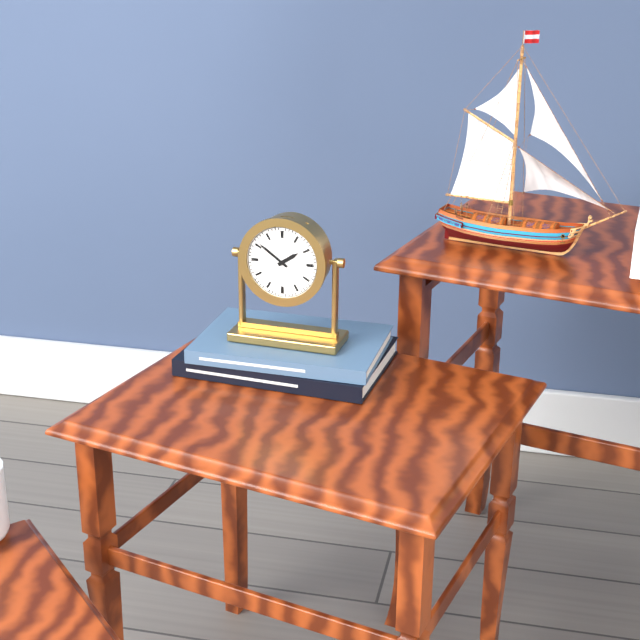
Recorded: **1:51**
